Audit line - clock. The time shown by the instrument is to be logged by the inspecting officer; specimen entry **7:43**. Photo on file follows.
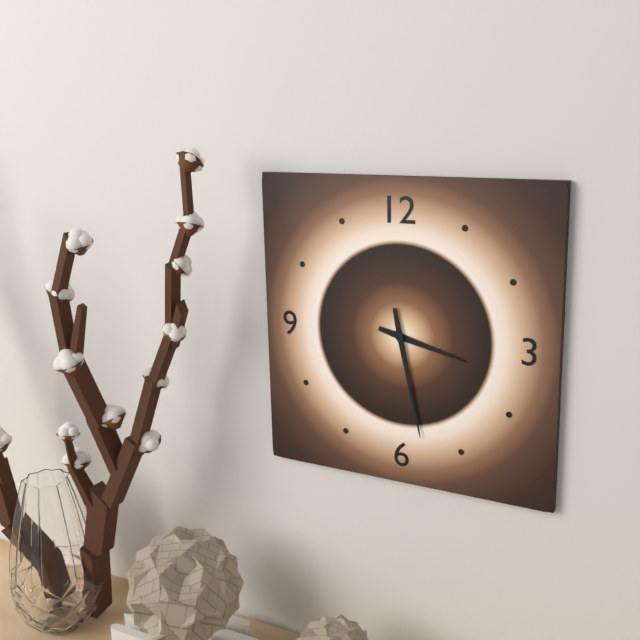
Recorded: **3:28**
